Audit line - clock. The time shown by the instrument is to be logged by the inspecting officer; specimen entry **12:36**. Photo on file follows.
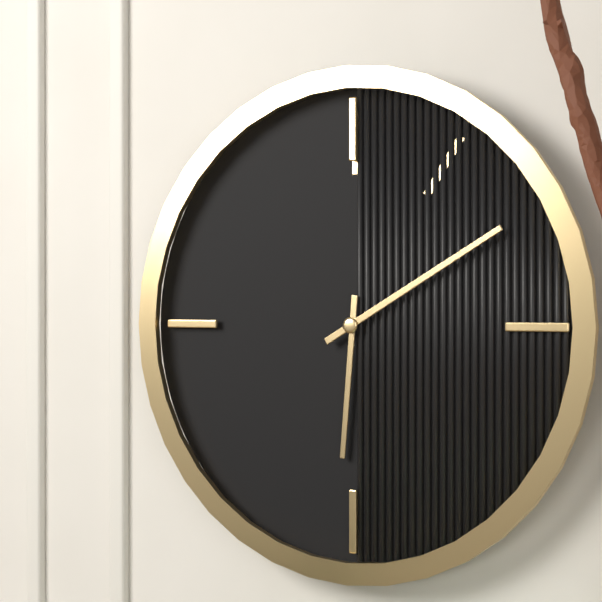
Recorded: **6:10**
